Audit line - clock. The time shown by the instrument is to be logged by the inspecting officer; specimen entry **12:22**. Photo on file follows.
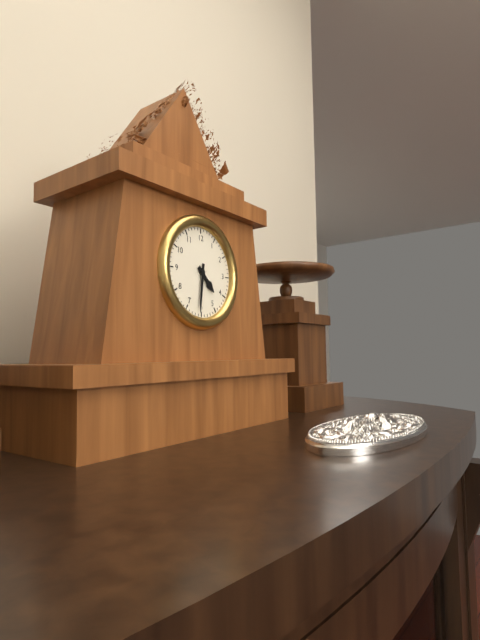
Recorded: **4:31**
